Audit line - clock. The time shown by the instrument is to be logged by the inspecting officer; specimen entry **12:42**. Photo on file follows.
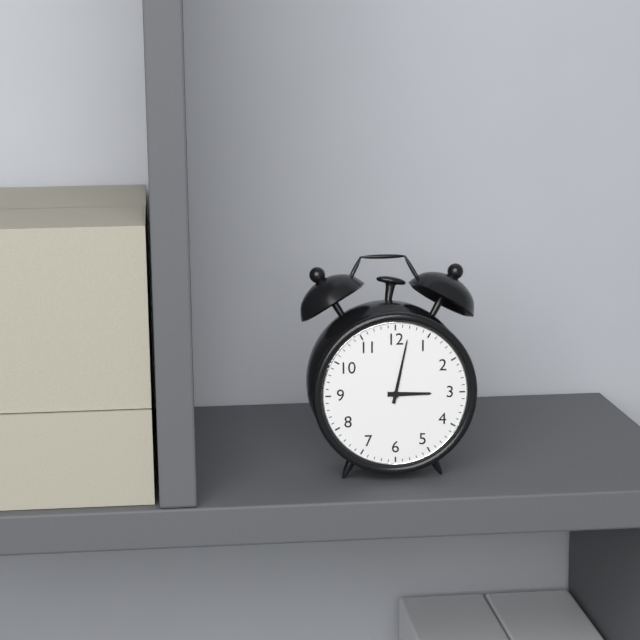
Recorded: **3:02**
